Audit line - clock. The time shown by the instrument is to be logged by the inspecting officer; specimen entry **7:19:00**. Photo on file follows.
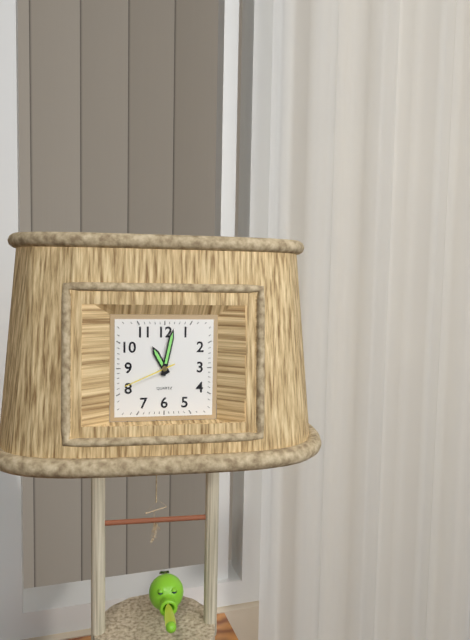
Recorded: **11:02:41**
